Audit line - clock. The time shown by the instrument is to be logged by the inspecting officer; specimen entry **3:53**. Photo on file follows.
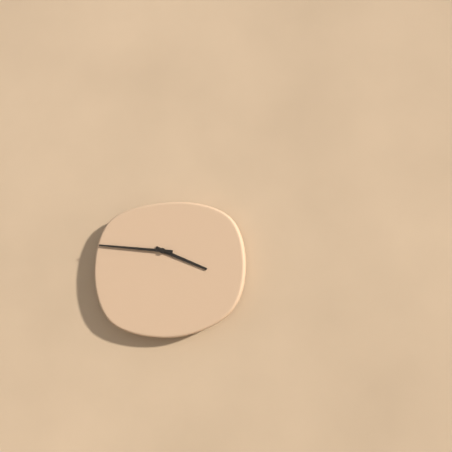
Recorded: **3:46**
